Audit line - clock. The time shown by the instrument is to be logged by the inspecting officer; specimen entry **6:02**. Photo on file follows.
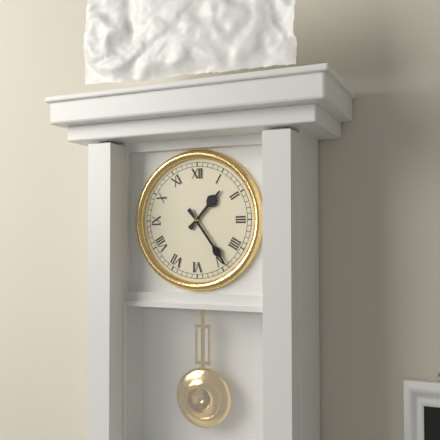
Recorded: **1:24**
